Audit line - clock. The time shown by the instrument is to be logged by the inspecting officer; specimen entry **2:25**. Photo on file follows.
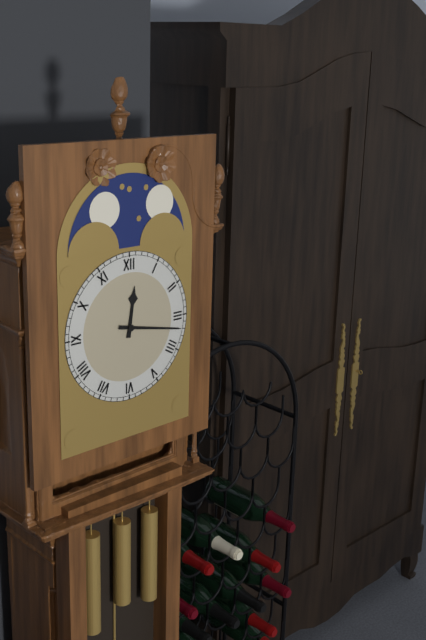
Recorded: **12:17**
